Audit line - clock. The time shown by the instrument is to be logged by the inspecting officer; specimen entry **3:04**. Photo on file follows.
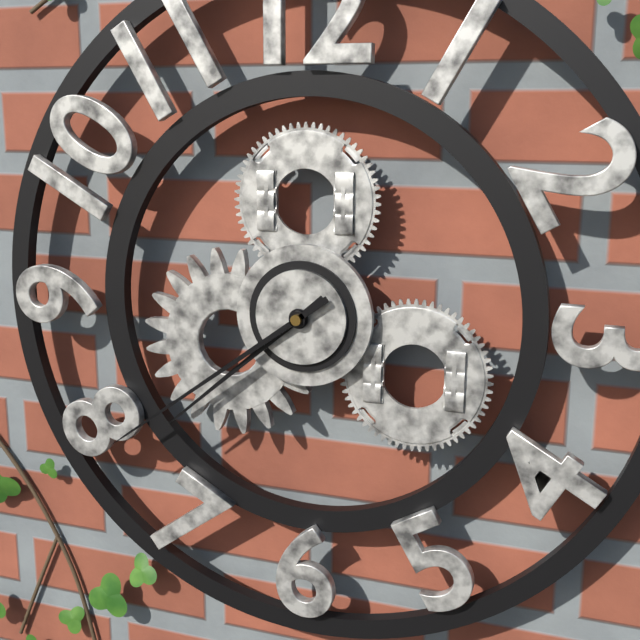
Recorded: **7:39**
